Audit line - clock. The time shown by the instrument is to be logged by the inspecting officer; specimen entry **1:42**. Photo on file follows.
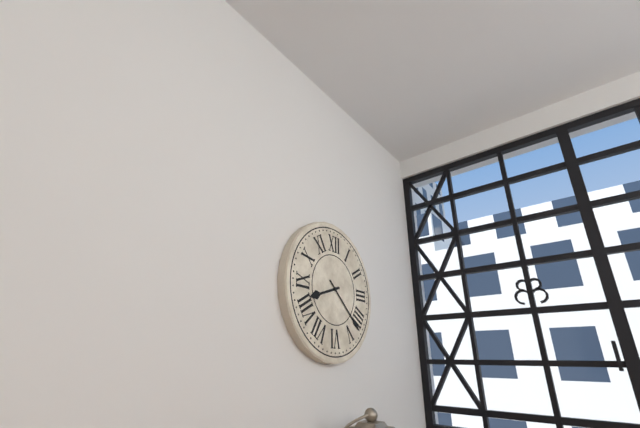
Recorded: **8:22**
